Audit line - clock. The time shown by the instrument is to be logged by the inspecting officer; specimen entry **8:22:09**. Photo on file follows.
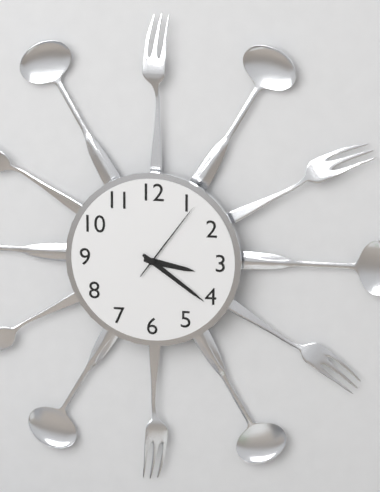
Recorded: **3:21:06**
